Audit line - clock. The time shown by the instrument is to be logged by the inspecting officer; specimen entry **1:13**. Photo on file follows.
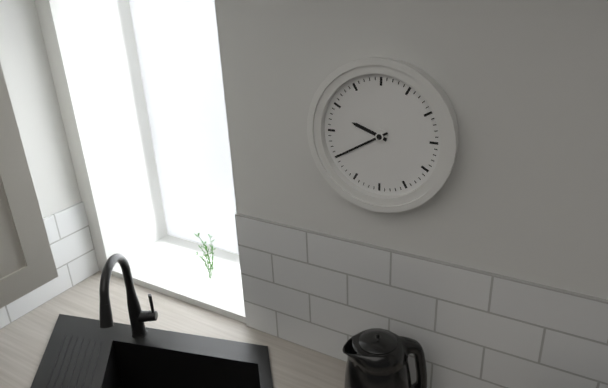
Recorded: **9:40**
